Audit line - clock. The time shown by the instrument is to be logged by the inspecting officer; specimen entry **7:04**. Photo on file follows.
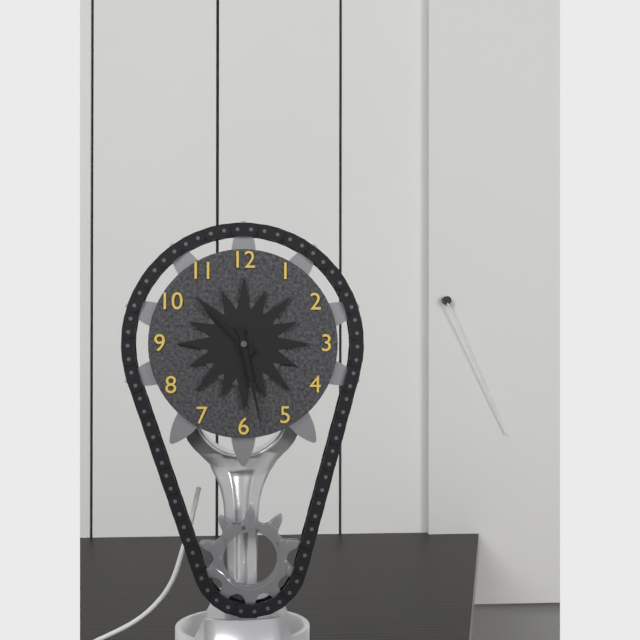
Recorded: **10:28**
